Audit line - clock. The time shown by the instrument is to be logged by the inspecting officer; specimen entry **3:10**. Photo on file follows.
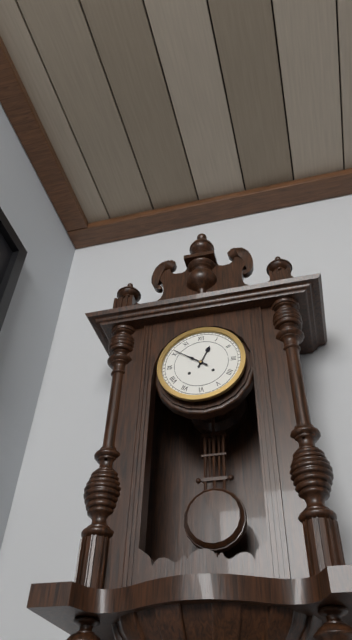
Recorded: **12:51**
